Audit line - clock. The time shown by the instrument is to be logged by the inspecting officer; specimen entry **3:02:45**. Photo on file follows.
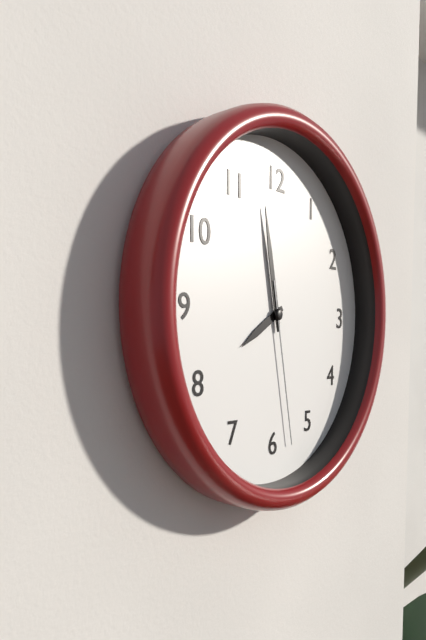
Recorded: **7:58:28**
